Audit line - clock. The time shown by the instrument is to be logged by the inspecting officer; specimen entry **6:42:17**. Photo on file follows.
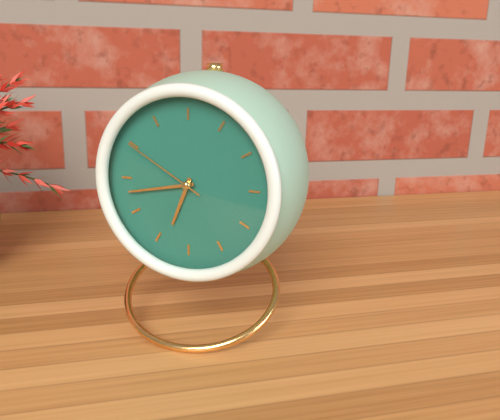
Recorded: **6:43:50**
